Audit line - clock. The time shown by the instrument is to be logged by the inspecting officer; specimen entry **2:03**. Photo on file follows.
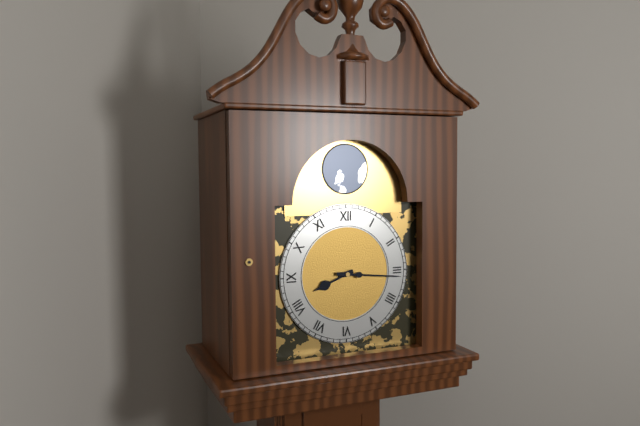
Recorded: **8:16**
